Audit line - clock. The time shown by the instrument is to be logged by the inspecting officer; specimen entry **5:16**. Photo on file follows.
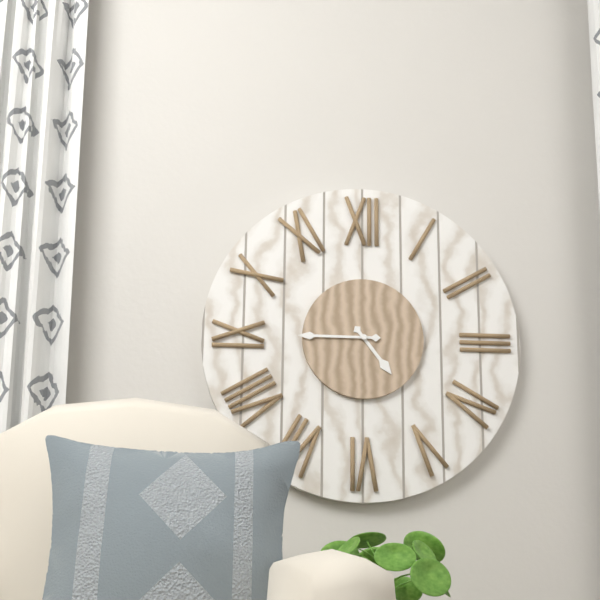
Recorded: **4:45**
